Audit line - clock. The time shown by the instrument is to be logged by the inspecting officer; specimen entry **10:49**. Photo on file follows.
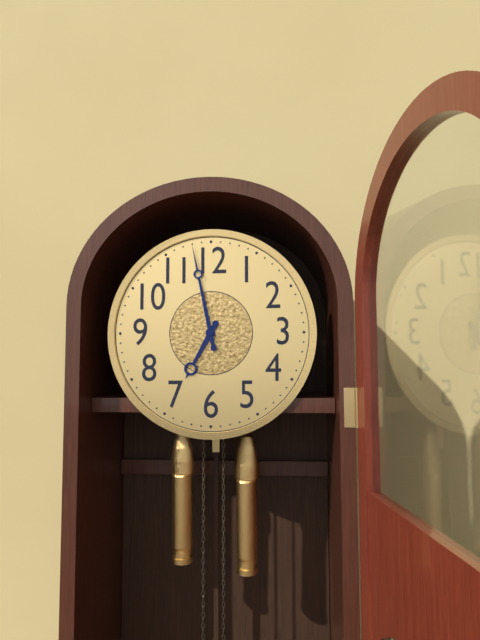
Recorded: **6:58**
